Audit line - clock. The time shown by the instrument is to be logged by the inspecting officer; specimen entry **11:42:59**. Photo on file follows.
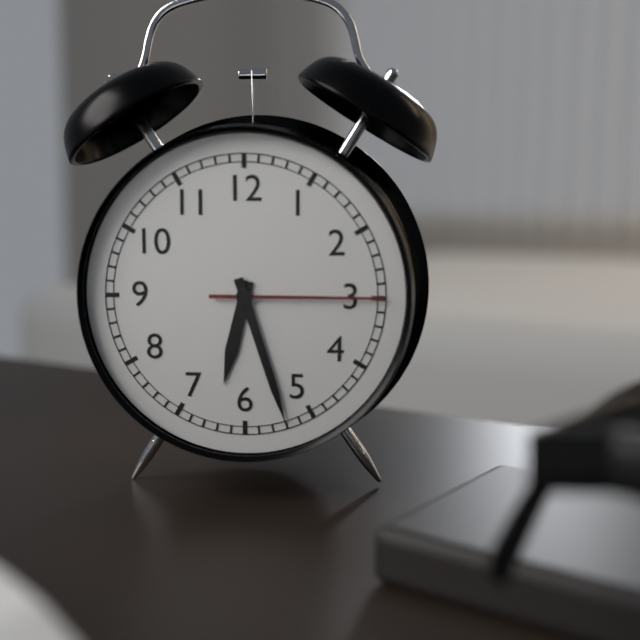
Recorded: **6:27:15**
